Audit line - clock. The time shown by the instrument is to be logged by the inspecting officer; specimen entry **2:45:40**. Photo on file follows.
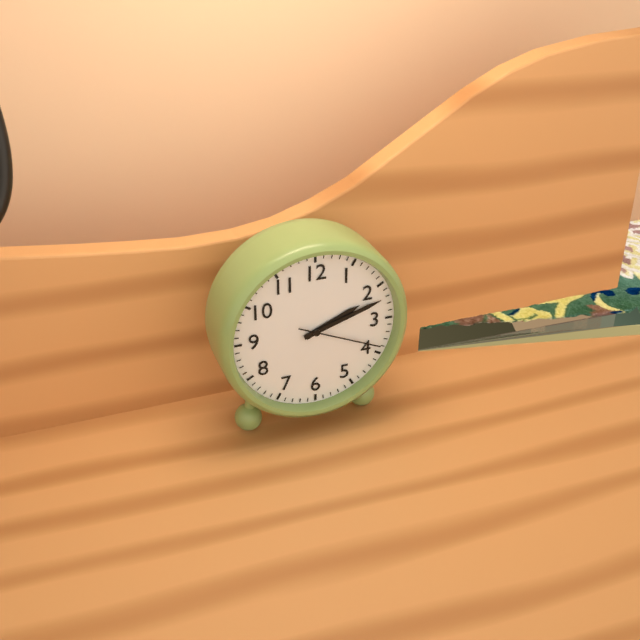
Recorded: **2:12:19**
